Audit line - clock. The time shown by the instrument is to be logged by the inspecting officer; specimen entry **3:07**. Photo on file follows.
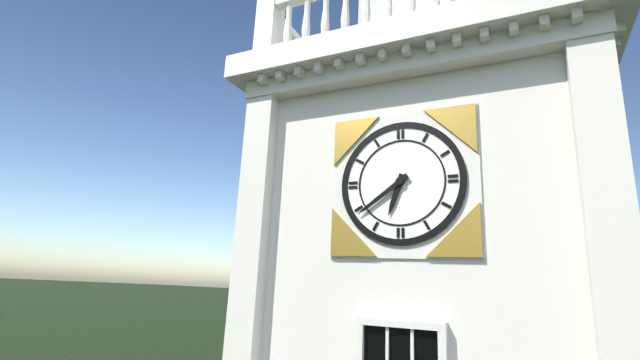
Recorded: **6:39**
